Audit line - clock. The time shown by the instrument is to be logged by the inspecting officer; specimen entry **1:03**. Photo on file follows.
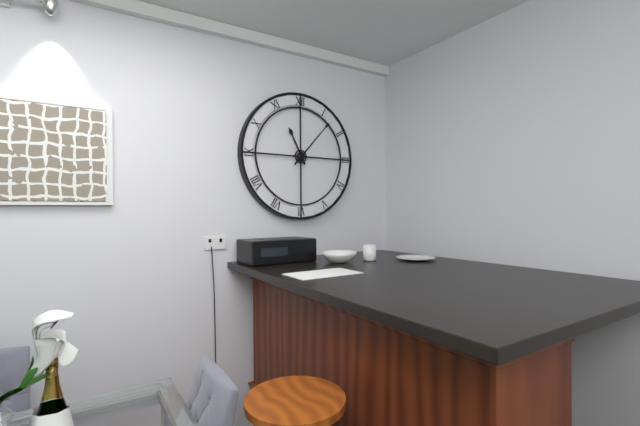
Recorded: **11:07**
